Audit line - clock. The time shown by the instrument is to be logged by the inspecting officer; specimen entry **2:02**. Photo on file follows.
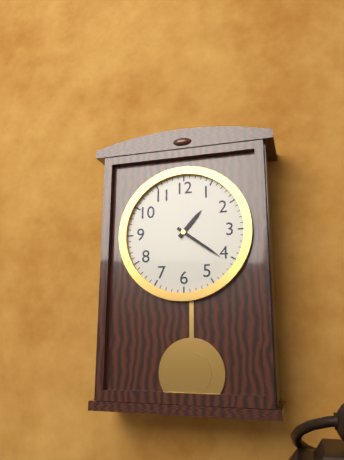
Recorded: **1:21**
